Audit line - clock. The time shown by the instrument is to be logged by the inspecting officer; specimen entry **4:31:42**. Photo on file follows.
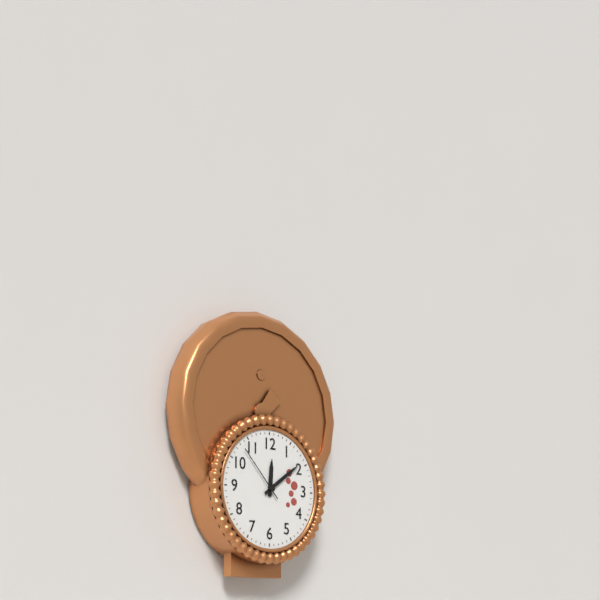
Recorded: **12:09:53**
